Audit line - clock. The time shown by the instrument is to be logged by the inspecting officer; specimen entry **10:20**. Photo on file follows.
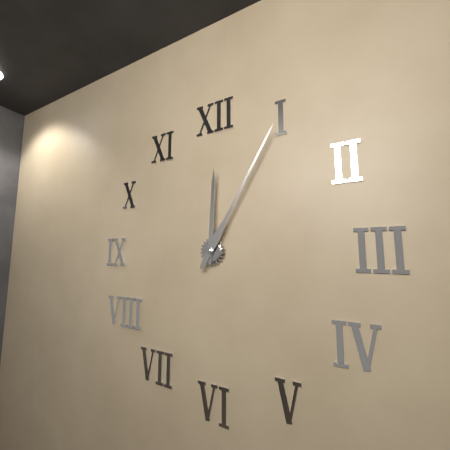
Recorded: **12:05**
